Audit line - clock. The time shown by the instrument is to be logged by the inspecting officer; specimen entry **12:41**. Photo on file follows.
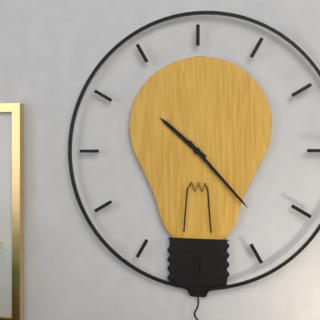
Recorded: **10:23**
